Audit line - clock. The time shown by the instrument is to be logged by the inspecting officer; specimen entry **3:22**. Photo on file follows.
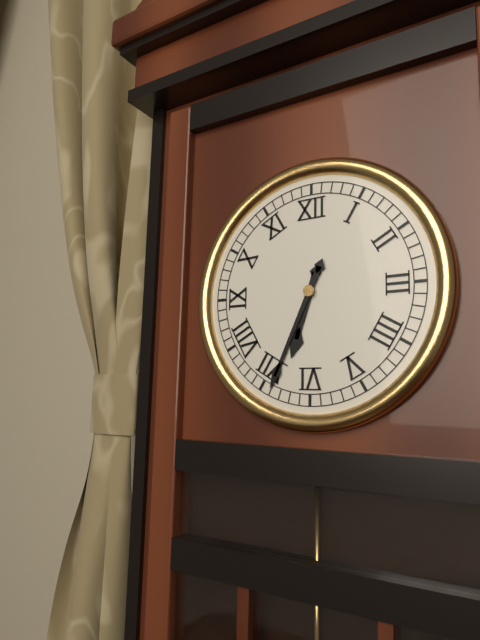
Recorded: **6:34**
